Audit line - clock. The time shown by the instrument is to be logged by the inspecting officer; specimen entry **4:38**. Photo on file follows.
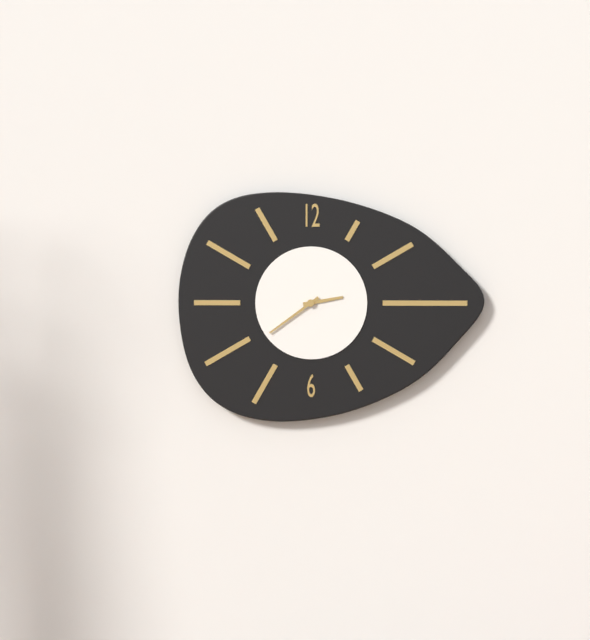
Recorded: **2:39**
